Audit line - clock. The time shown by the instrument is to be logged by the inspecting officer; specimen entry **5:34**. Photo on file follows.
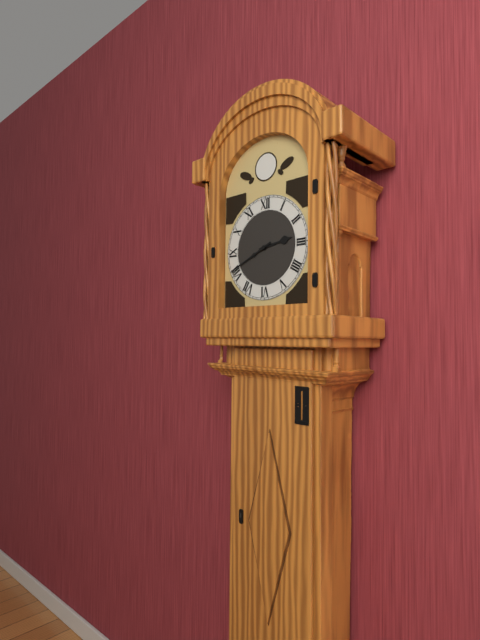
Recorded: **2:41**
